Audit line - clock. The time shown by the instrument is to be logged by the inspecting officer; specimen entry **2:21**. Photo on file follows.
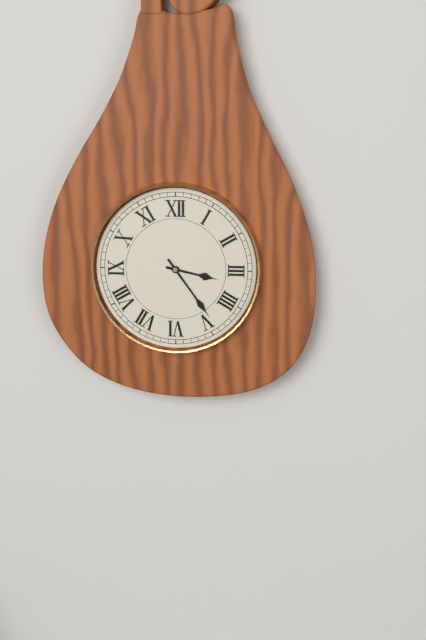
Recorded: **3:24**
